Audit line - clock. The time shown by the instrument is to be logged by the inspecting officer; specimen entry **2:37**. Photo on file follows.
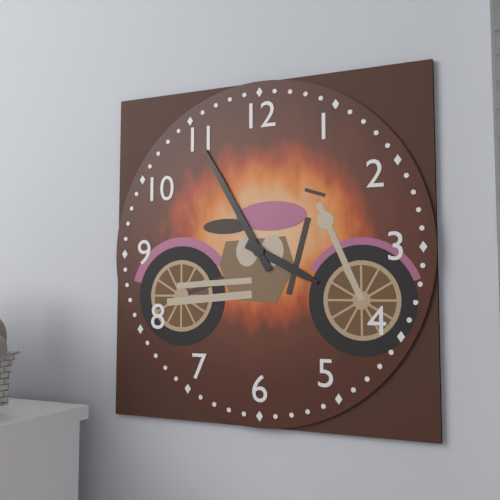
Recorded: **3:55**
